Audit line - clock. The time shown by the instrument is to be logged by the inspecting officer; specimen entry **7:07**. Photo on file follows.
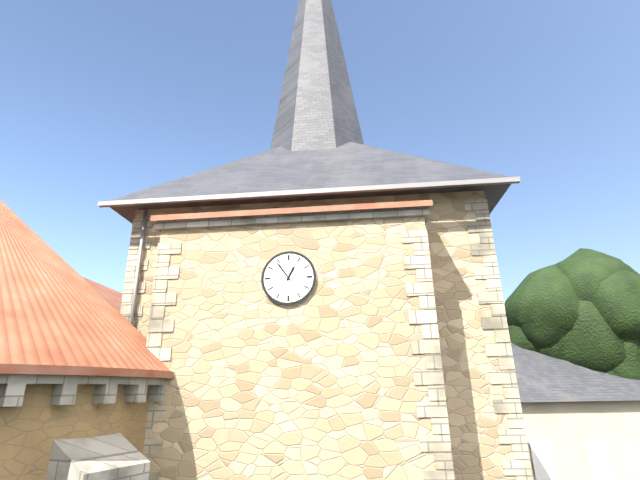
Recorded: **12:54**
